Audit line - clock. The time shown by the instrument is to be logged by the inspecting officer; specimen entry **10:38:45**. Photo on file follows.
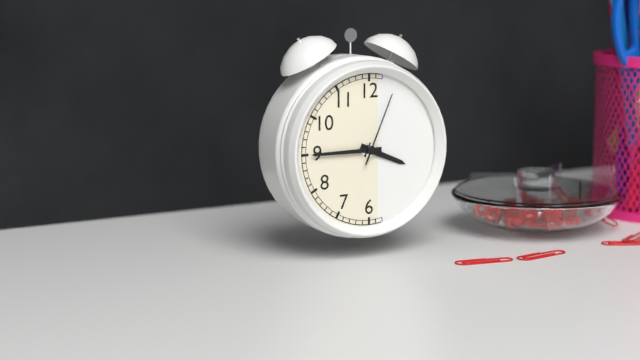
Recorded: **3:45:04**
